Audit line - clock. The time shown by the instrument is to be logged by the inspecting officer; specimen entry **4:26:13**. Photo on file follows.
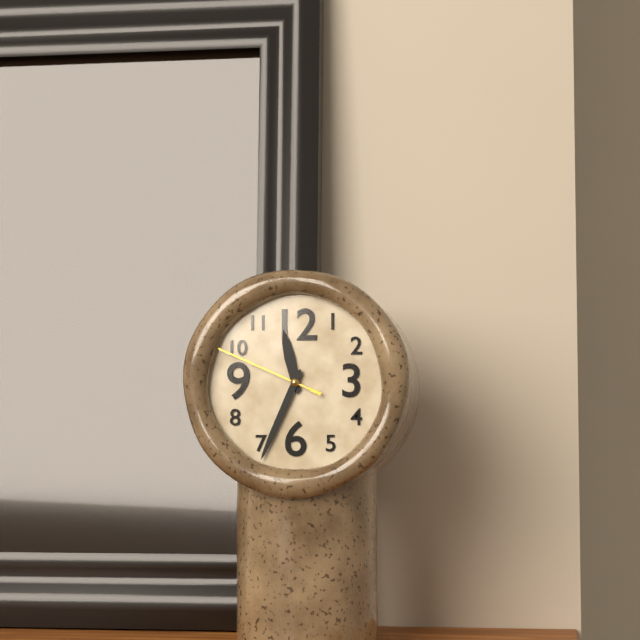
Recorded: **11:34:49**
